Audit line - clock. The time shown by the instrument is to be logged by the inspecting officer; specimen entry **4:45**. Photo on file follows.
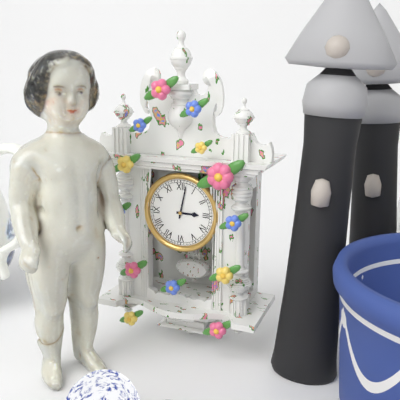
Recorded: **3:02**
